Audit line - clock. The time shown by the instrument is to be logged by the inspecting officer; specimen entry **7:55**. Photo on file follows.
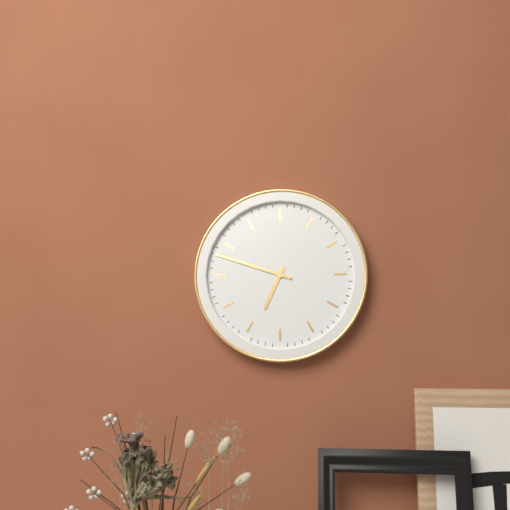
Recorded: **6:48**
